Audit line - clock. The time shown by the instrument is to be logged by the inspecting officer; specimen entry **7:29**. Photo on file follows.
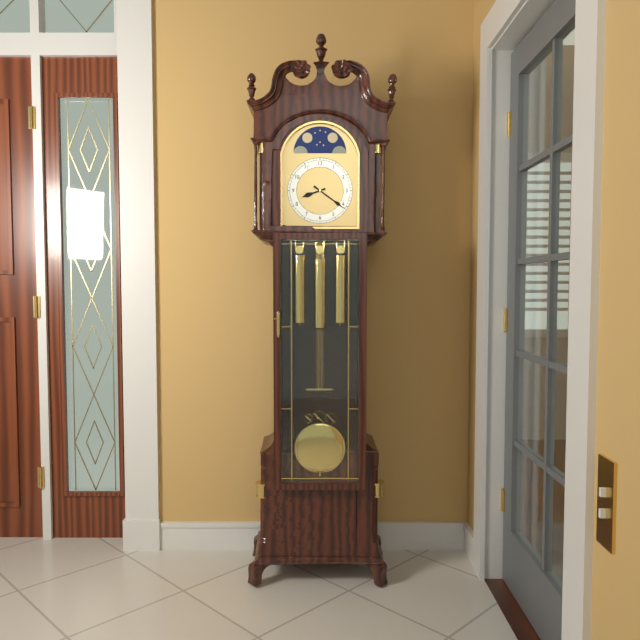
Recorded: **8:21**
